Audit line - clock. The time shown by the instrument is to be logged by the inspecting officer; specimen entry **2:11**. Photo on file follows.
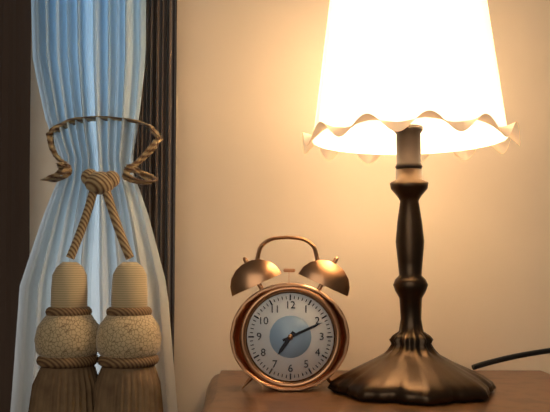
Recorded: **7:11**
